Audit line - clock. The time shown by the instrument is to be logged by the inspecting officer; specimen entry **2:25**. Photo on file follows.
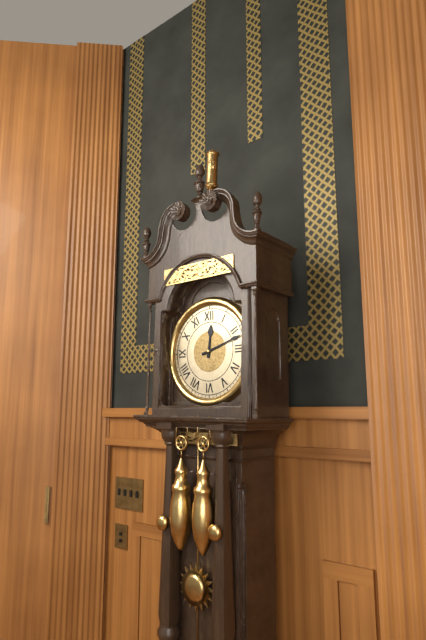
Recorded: **12:12**
